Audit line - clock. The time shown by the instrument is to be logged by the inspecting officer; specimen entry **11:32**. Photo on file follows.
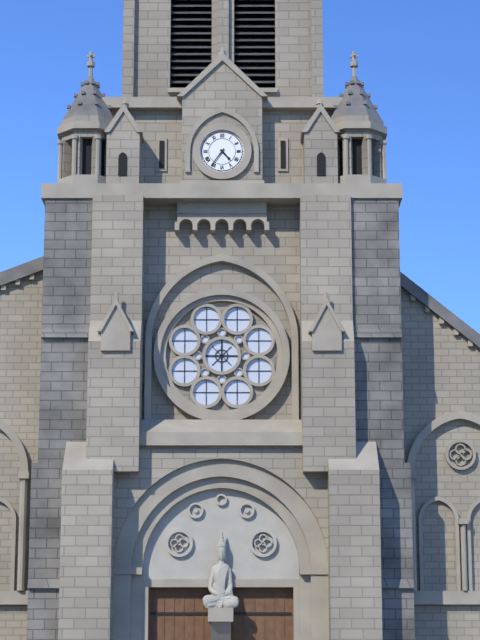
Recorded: **4:36**
